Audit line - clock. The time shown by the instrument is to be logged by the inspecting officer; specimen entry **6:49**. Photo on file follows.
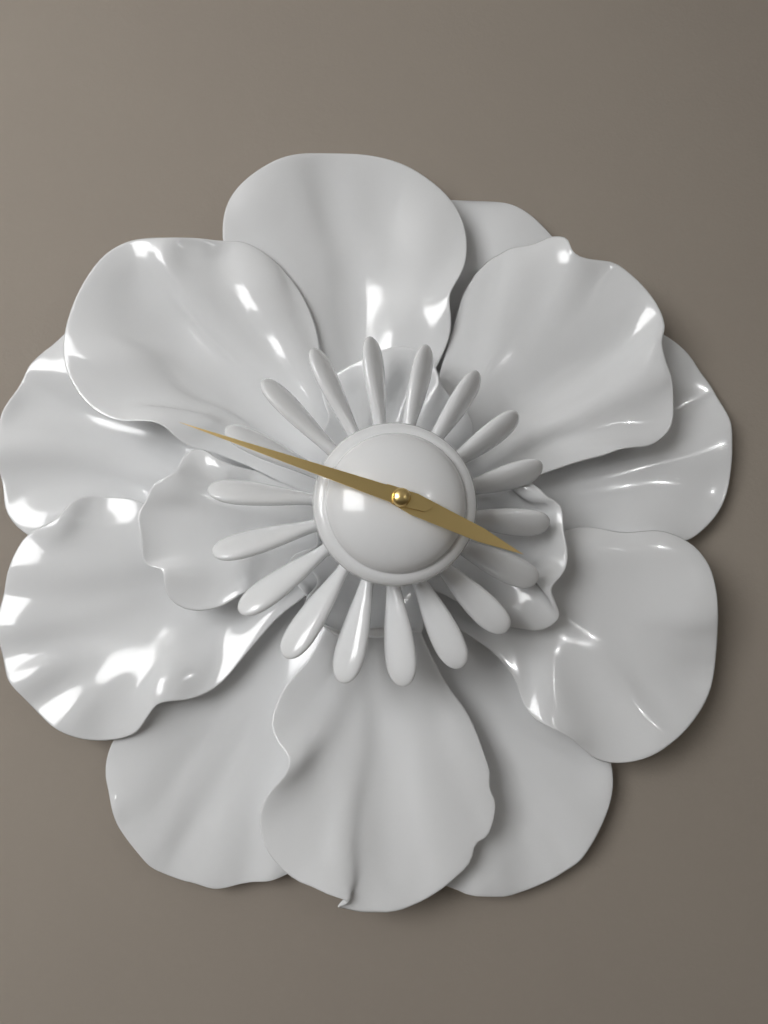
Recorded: **3:48**
